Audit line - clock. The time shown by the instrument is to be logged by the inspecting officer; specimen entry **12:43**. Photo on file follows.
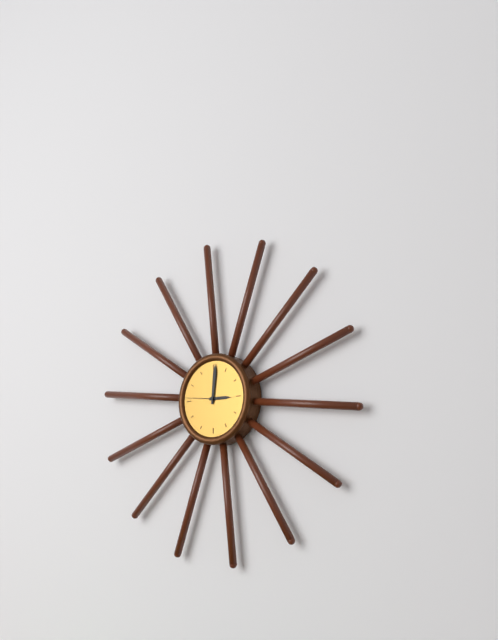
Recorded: **3:01**
